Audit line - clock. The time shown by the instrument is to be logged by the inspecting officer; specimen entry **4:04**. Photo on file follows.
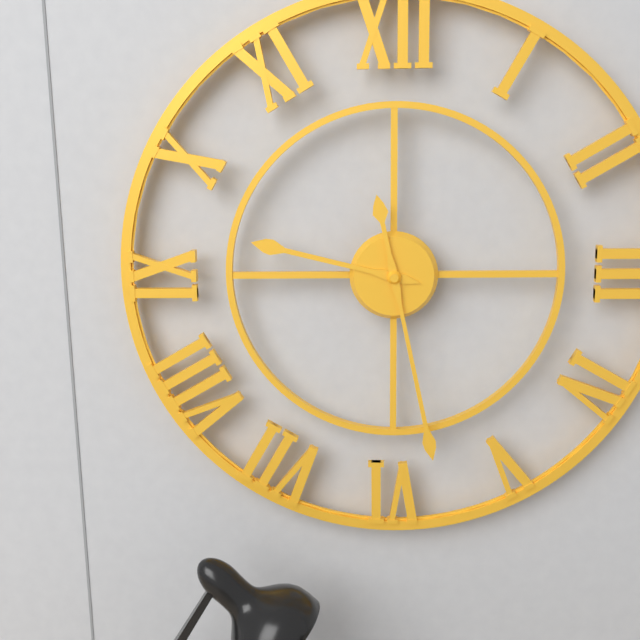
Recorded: **9:28**
